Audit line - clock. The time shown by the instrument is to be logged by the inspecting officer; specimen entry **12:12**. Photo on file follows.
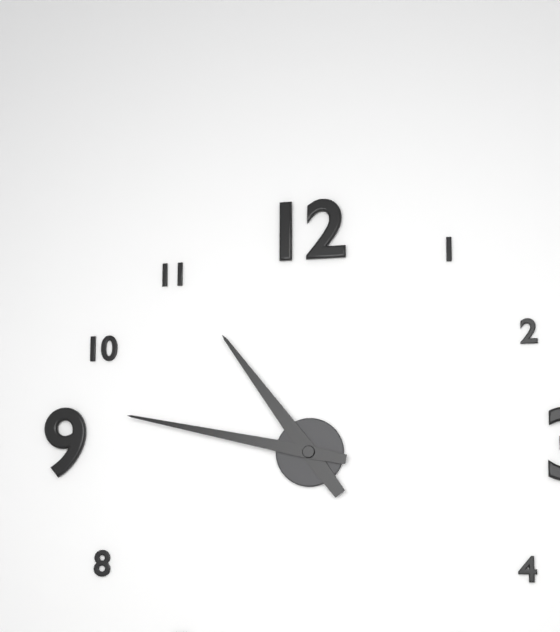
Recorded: **10:47**
